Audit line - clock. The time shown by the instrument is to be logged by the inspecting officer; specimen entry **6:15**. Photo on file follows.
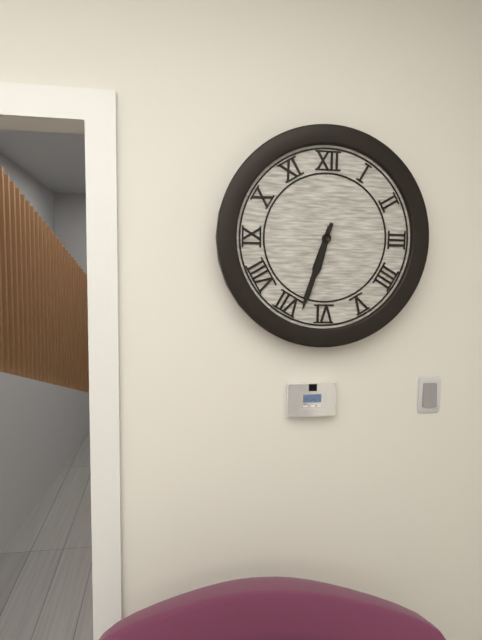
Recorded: **6:33**
